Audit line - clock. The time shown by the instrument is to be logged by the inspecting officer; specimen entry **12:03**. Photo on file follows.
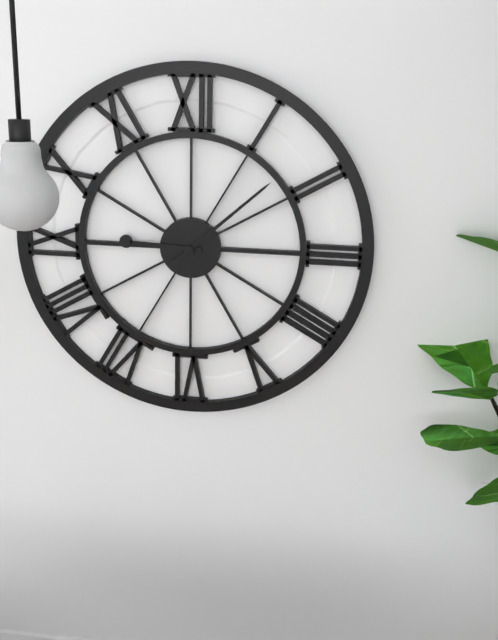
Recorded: **9:08**
